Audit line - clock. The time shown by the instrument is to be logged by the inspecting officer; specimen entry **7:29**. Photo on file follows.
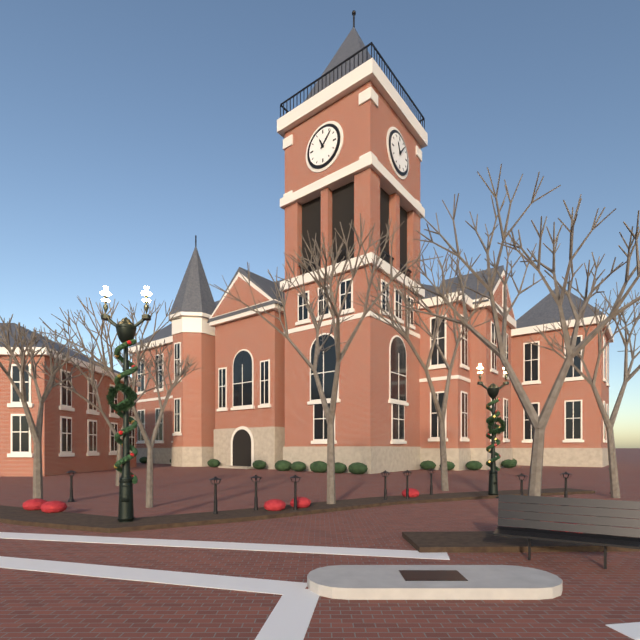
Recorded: **11:07**
